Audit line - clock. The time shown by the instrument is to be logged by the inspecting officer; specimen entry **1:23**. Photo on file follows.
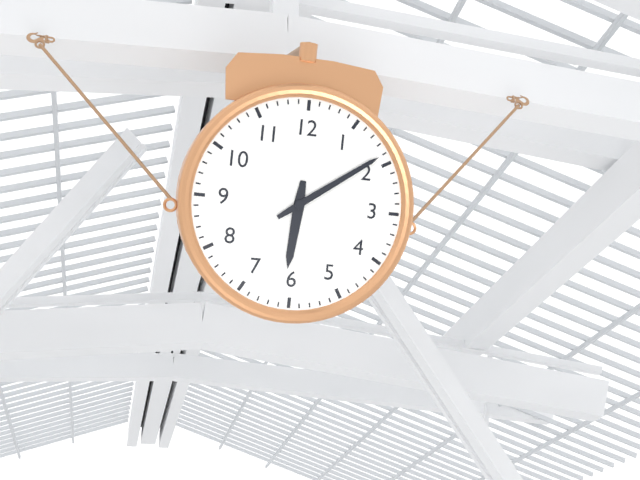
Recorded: **6:09**
